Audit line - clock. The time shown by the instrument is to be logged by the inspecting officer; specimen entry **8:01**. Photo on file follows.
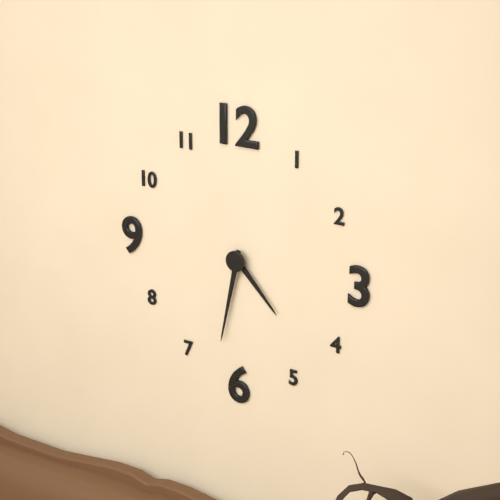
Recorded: **4:32**
